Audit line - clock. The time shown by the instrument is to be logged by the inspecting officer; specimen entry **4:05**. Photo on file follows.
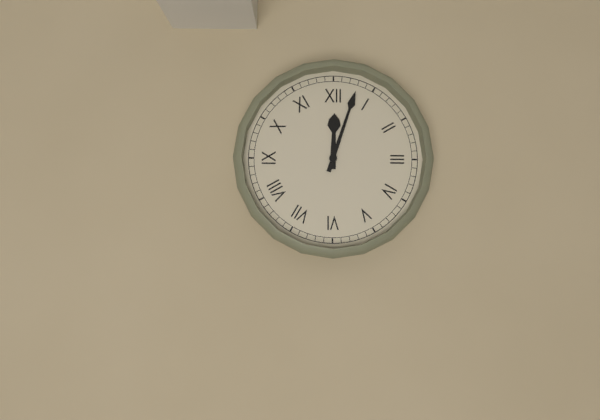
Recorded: **12:03**
